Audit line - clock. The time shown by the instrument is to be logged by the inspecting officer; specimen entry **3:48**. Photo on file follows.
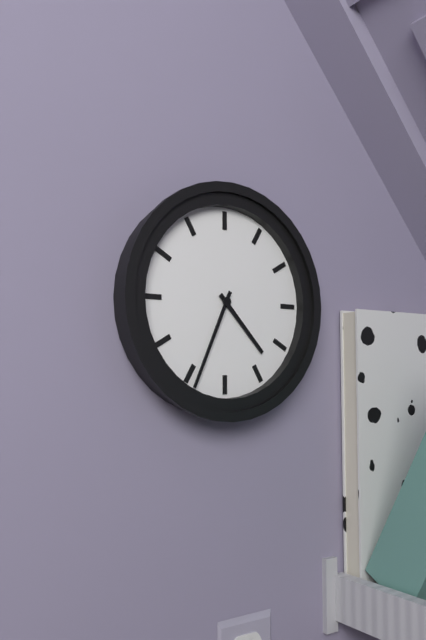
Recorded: **4:34**
